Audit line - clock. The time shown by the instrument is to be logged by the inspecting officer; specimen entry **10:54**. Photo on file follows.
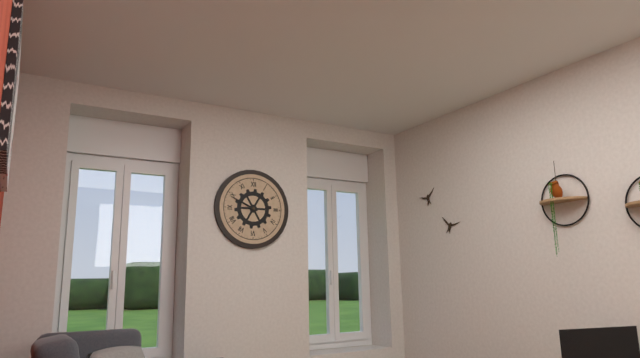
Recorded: **9:49**
